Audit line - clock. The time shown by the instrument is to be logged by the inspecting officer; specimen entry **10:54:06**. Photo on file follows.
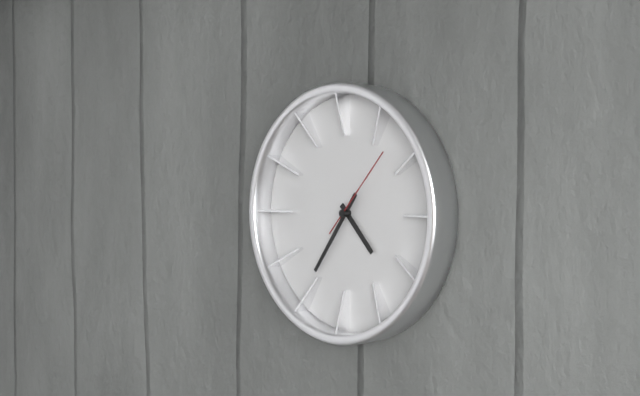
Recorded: **4:36:07**
